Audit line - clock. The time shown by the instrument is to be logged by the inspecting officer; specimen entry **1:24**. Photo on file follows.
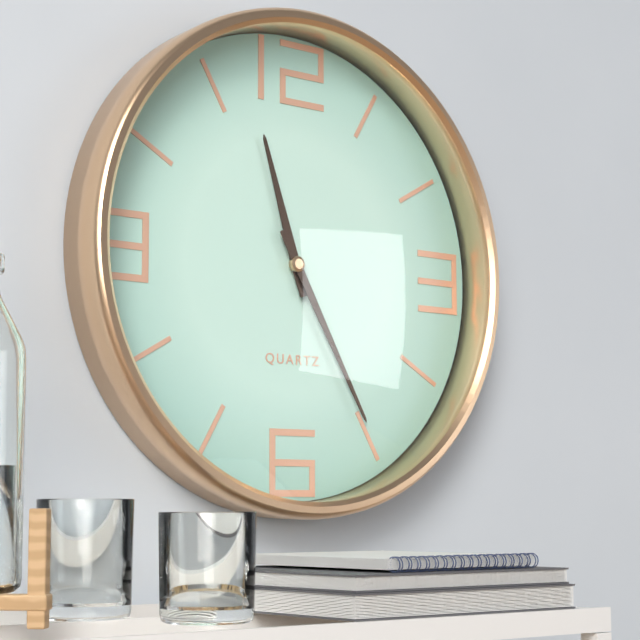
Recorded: **11:25**
